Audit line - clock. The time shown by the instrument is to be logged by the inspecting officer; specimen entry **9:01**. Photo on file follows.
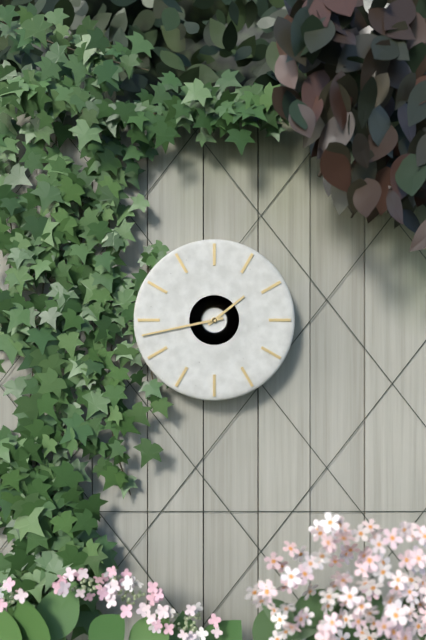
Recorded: **1:43**
